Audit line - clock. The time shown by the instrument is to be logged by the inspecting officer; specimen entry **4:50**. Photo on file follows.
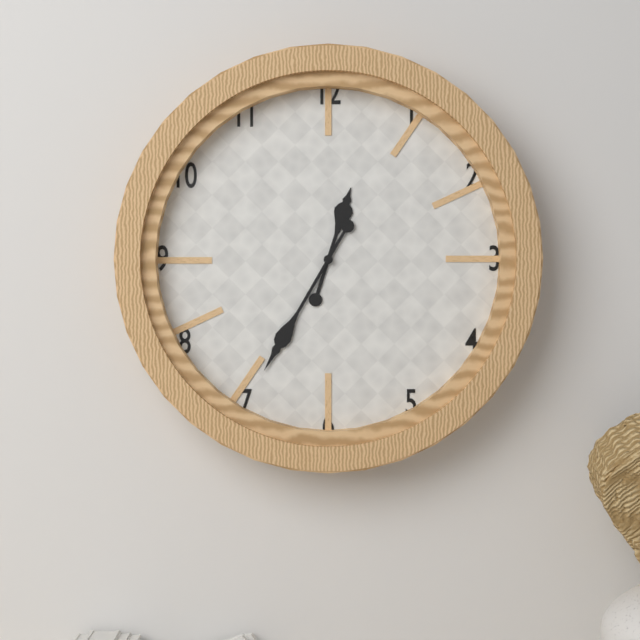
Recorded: **12:35**
